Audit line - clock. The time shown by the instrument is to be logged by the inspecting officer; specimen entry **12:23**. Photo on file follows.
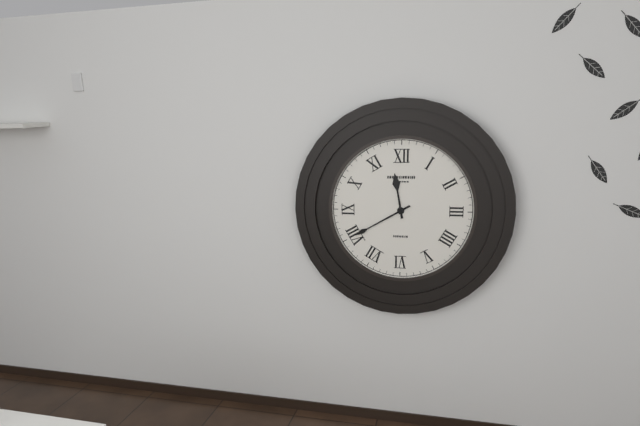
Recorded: **11:40**
